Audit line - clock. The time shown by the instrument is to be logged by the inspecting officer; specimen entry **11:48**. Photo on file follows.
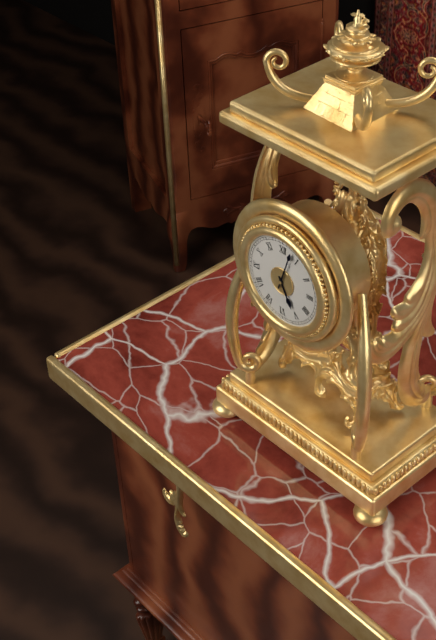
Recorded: **5:03**
